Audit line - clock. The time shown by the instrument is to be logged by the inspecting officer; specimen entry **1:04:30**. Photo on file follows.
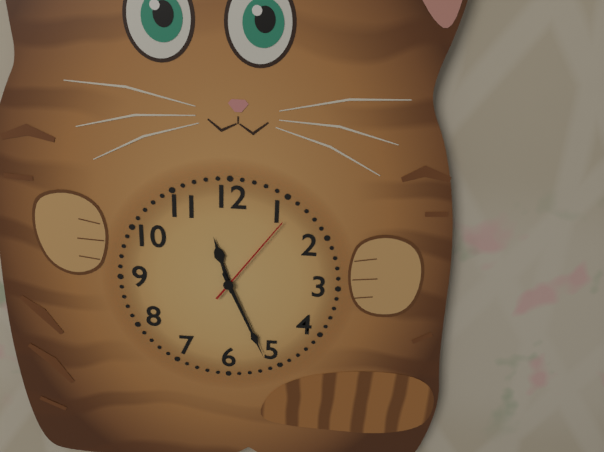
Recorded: **11:26:06**
